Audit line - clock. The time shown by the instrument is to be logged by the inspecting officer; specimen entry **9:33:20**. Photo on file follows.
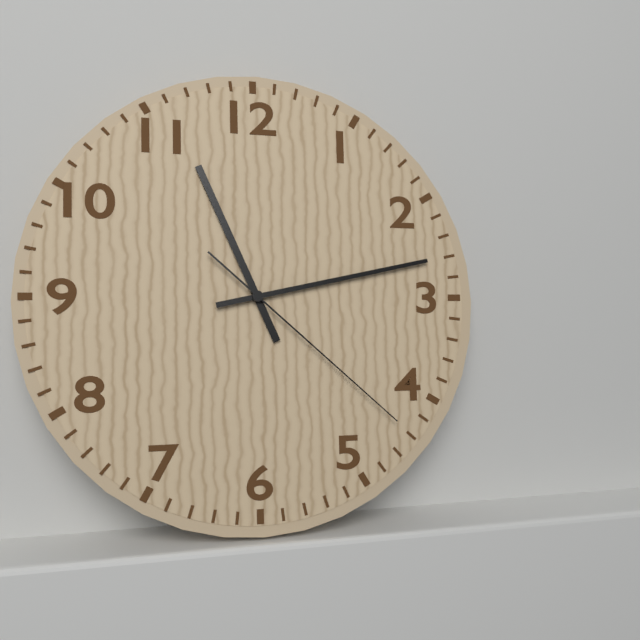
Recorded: **11:13:22**
